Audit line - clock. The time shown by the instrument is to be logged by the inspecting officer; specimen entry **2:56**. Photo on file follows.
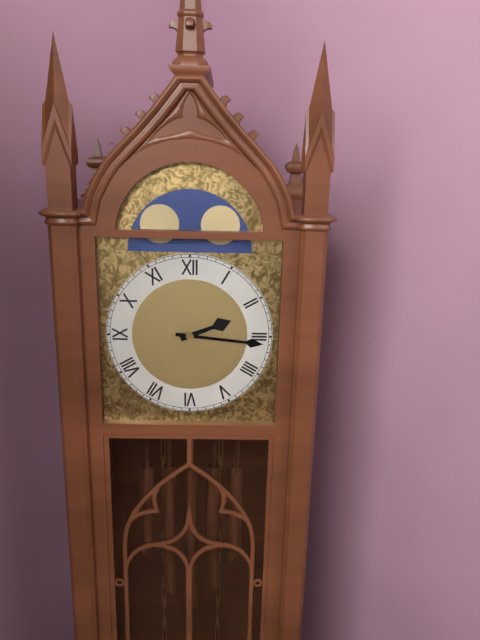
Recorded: **2:16**
